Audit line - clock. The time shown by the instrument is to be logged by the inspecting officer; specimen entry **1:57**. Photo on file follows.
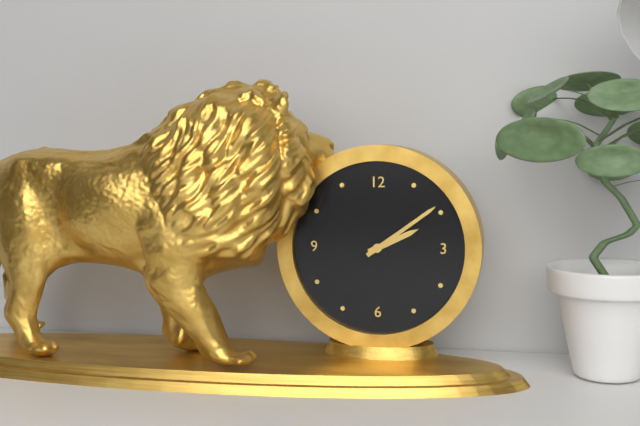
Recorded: **2:09**
